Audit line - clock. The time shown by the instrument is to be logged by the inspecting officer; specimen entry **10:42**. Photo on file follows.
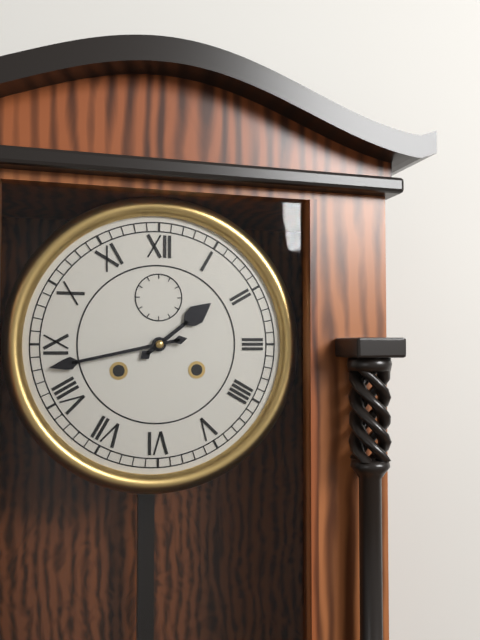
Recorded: **1:43**
